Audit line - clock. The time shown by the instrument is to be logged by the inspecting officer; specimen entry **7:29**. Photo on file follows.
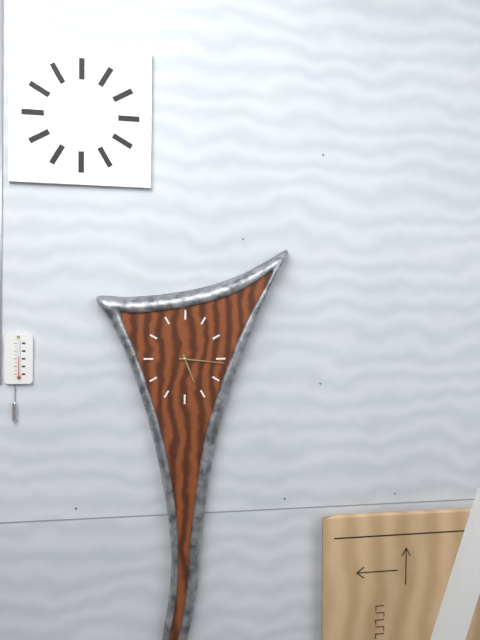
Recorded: **5:16**
